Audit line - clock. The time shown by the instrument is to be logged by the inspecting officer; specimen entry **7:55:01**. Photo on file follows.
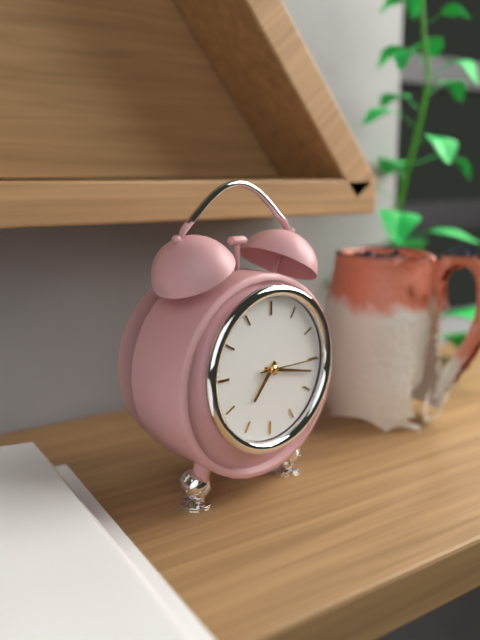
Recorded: **7:17:15**
